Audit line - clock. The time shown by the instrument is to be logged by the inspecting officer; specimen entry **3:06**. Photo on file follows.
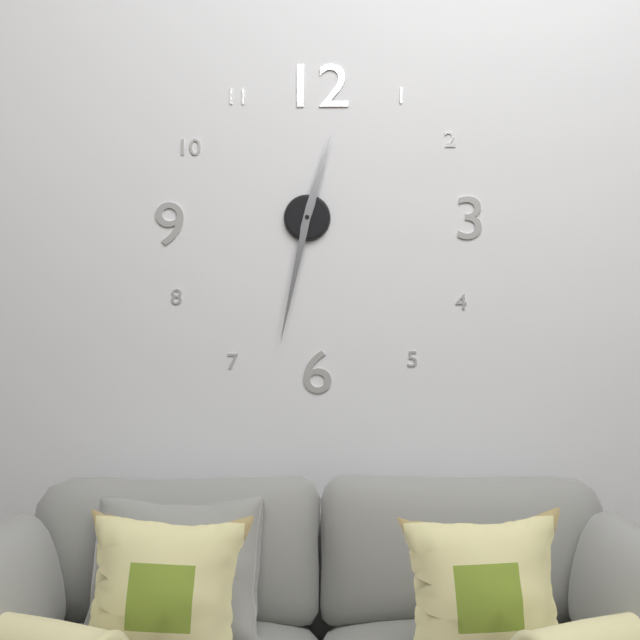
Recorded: **12:32**
